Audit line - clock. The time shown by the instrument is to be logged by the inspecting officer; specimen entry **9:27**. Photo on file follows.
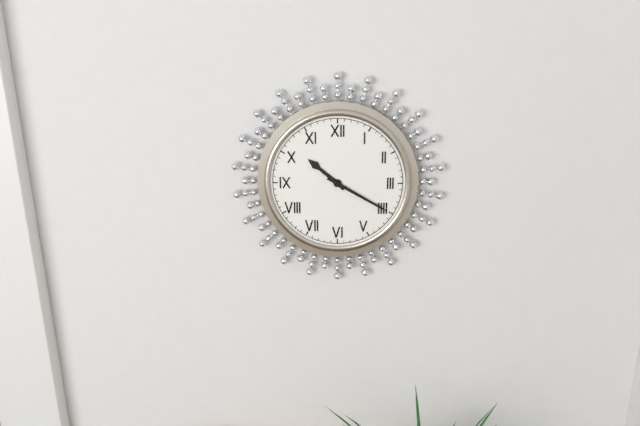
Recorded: **10:20**
